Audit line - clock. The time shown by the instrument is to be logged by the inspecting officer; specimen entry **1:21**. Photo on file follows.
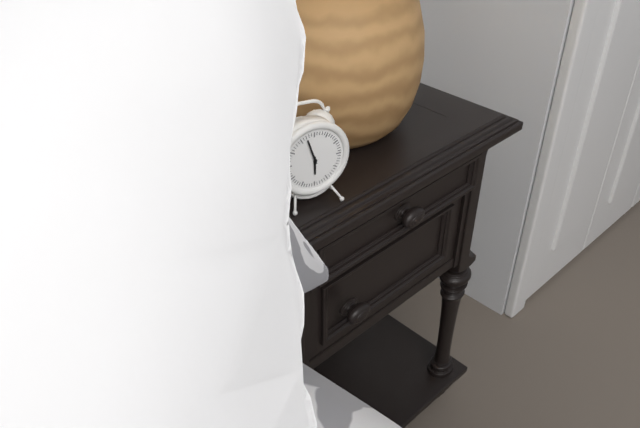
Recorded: **5:57**
